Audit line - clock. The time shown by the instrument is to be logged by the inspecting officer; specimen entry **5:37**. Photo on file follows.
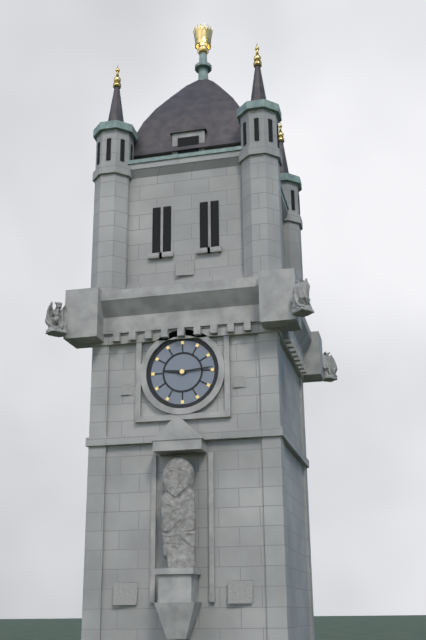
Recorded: **9:14**
